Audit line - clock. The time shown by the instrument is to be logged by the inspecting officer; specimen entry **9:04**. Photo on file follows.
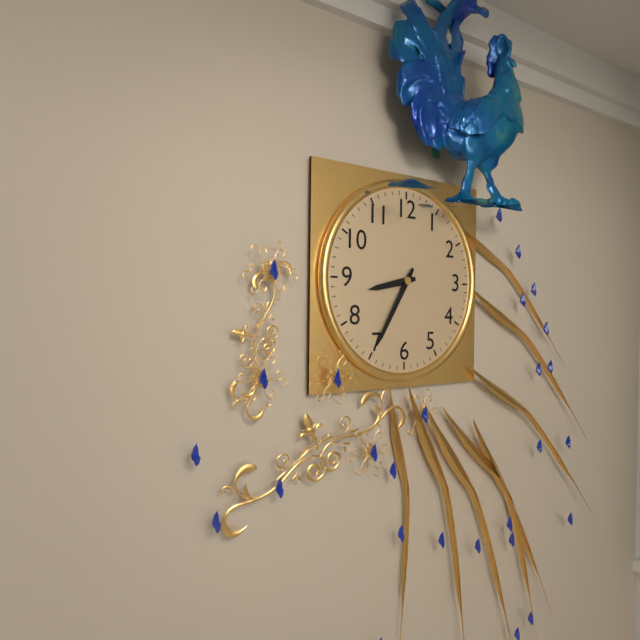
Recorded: **8:35**
